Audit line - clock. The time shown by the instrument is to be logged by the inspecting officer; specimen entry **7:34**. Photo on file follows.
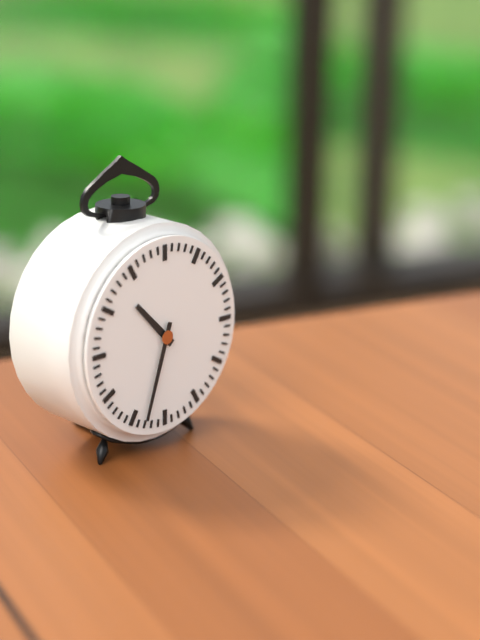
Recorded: **10:33**
